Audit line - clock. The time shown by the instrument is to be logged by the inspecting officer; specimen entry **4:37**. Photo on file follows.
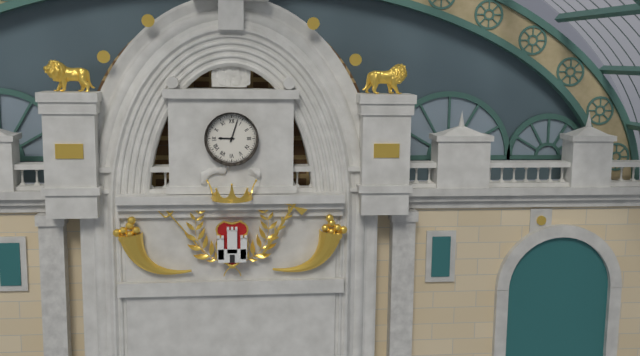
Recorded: **9:03**
